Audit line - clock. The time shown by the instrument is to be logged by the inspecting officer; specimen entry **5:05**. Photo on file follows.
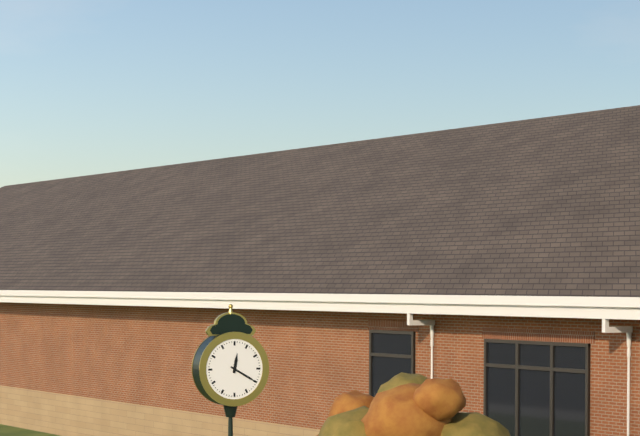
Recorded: **12:20**
